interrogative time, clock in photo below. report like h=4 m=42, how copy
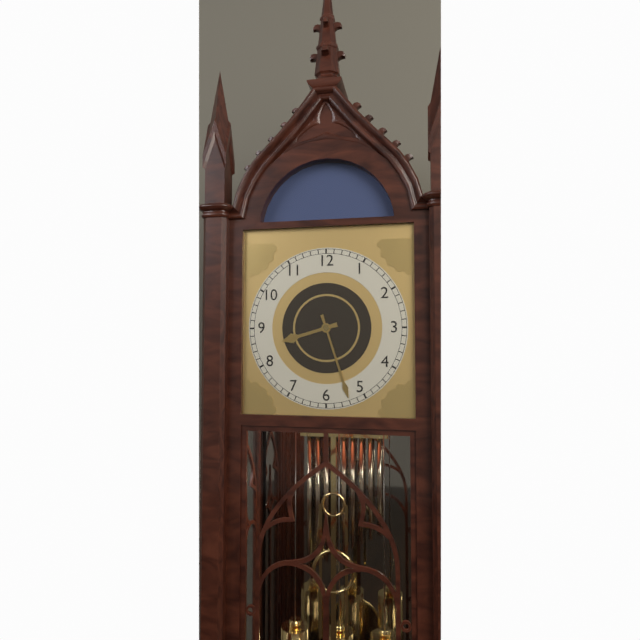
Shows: h=8 m=27
